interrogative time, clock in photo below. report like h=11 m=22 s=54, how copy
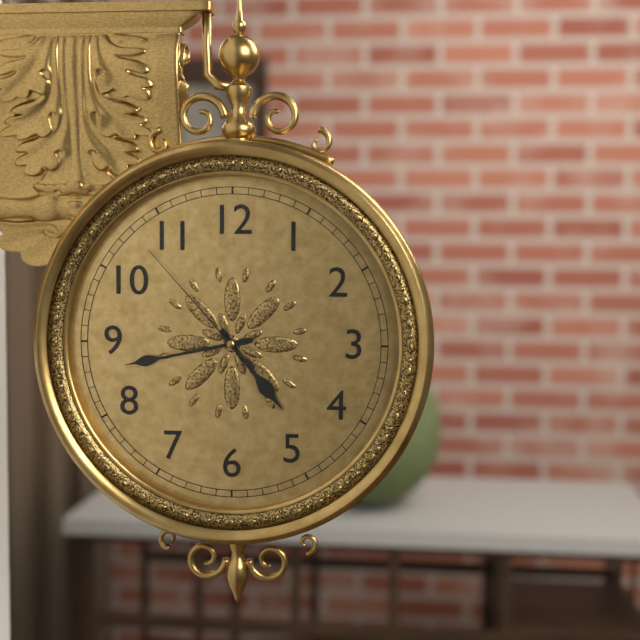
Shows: h=4 m=43 s=53
